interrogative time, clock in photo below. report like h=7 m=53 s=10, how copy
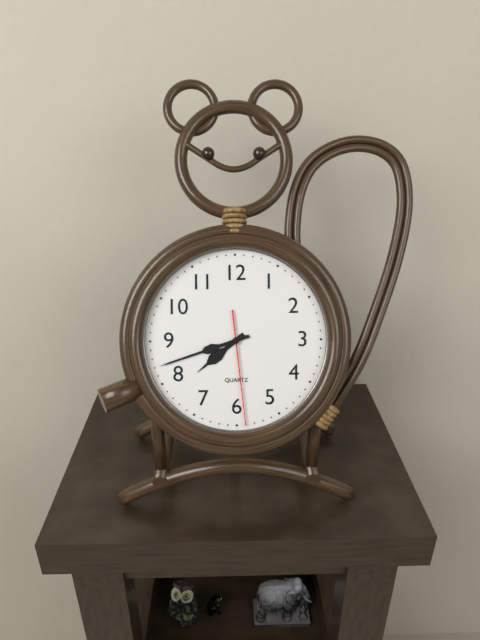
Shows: h=7 m=42 s=29
